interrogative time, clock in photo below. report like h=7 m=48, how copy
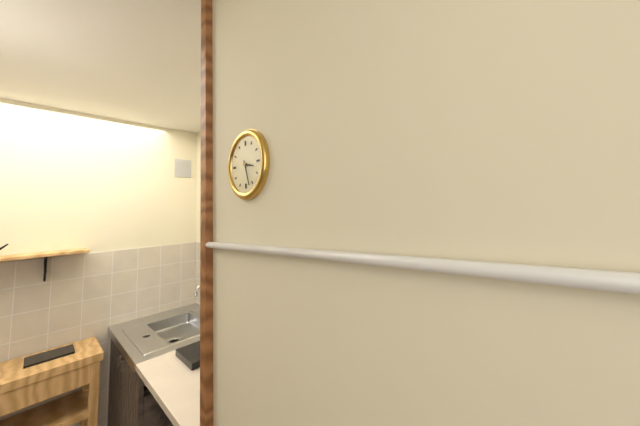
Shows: h=3 m=27
